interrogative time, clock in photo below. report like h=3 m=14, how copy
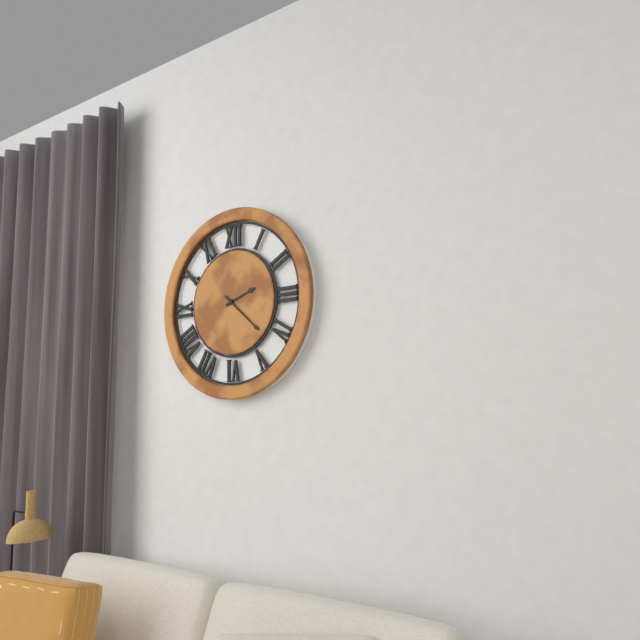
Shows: h=2 m=22
